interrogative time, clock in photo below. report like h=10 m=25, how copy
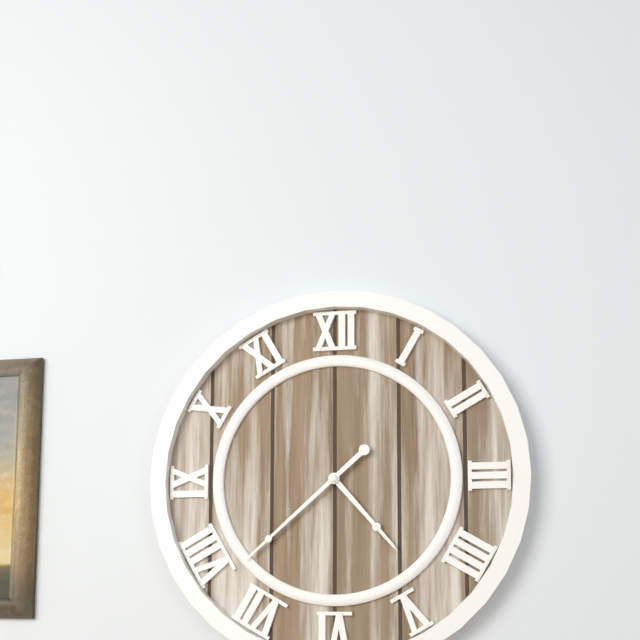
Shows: h=4 m=38
